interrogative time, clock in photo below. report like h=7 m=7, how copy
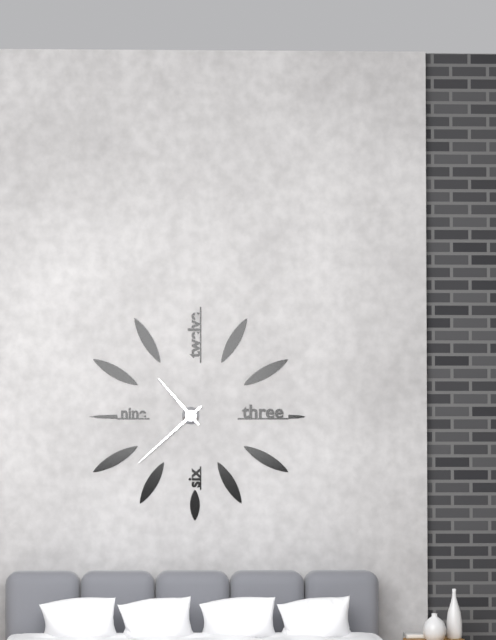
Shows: h=10 m=38
